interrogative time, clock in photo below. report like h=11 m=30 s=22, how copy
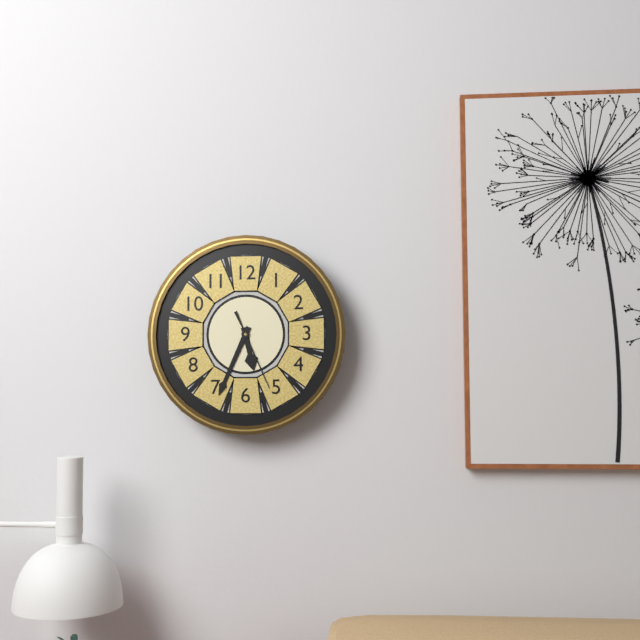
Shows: h=5 m=34 s=26
